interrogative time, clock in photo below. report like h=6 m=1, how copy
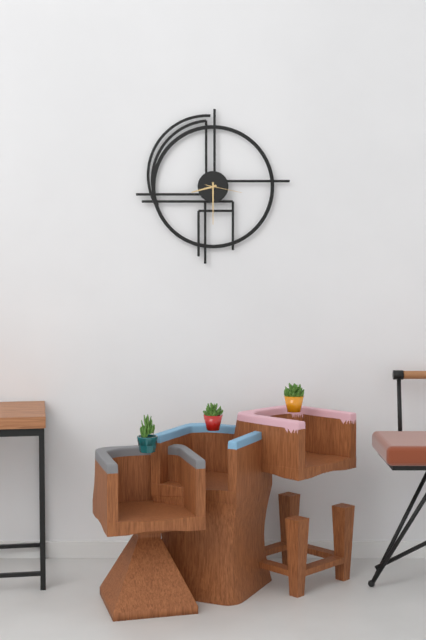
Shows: h=8 m=30
